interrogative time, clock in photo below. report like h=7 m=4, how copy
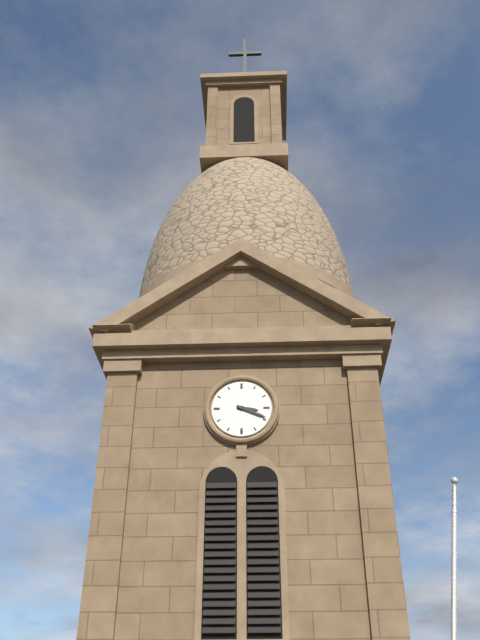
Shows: h=3 m=19
